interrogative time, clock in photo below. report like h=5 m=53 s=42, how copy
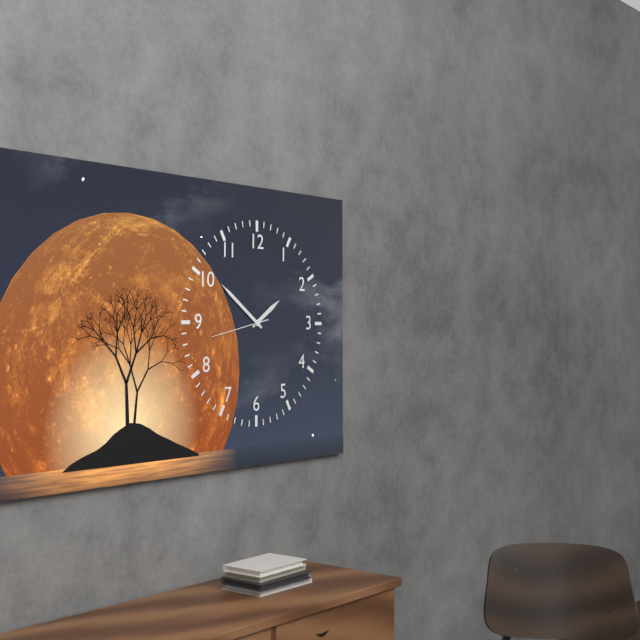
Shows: h=1 m=51 s=43
